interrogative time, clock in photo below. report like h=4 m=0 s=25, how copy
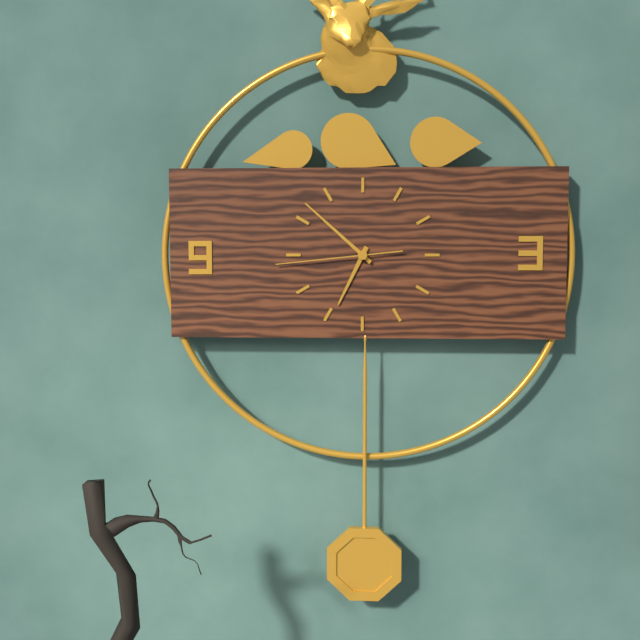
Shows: h=6 m=52 s=44
